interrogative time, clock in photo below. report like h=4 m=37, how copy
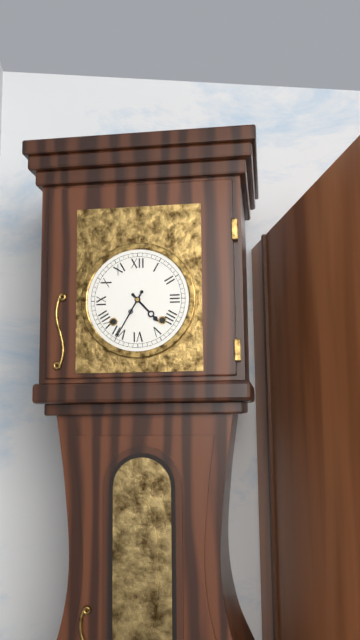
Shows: h=4 m=35
